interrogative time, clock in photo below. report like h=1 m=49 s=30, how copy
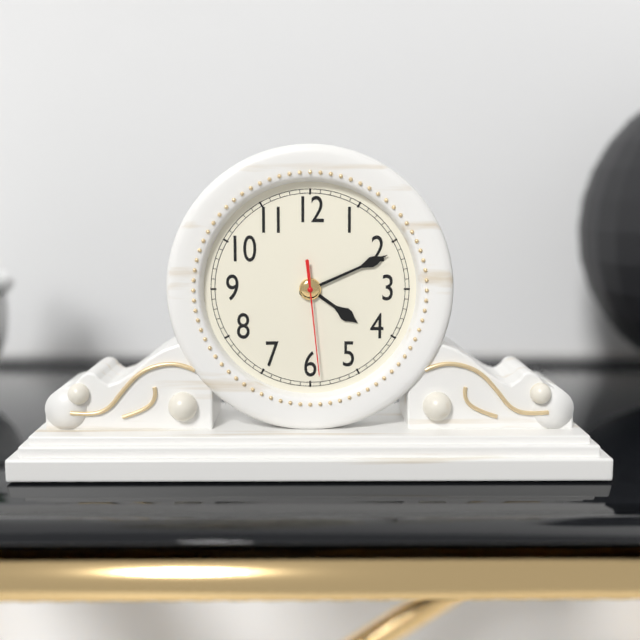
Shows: h=4 m=11 s=29
